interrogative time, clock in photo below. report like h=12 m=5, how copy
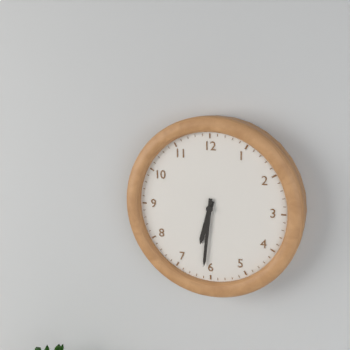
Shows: h=6 m=31
